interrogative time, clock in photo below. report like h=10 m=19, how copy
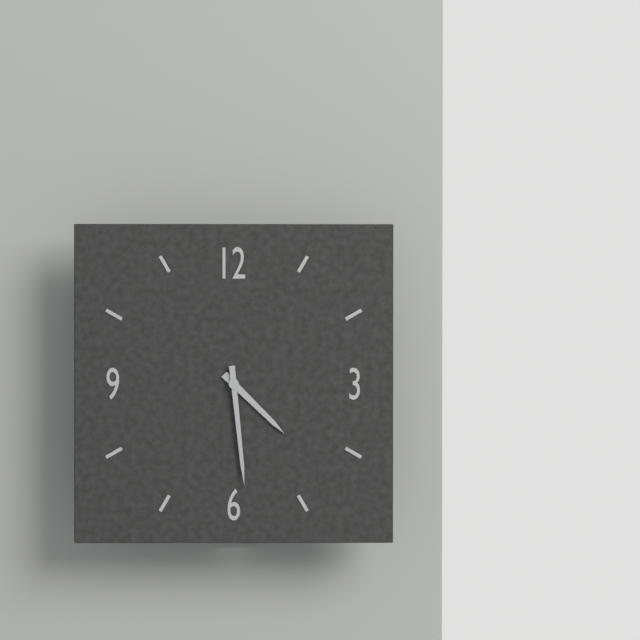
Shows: h=4 m=29
